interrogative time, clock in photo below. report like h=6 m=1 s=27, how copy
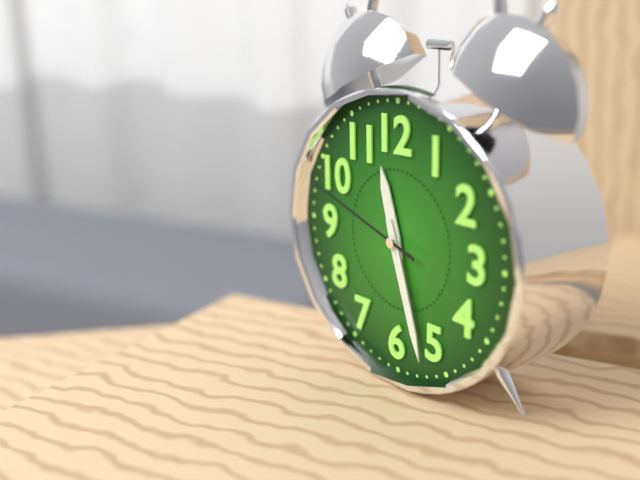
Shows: h=11 m=27 s=48
